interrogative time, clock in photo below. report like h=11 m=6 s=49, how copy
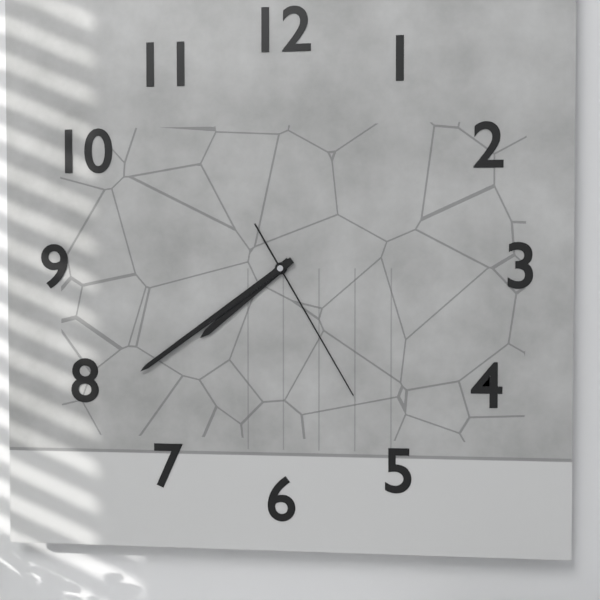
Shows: h=7 m=39 s=25
